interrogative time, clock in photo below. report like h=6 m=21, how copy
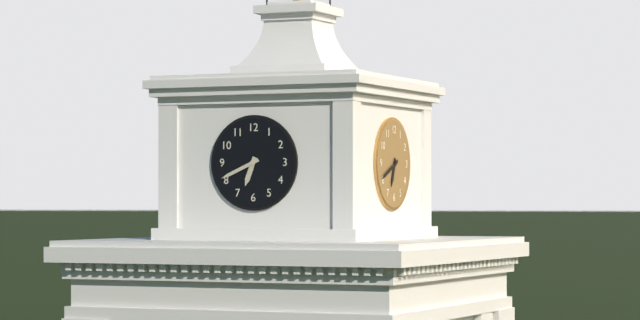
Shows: h=6 m=41
